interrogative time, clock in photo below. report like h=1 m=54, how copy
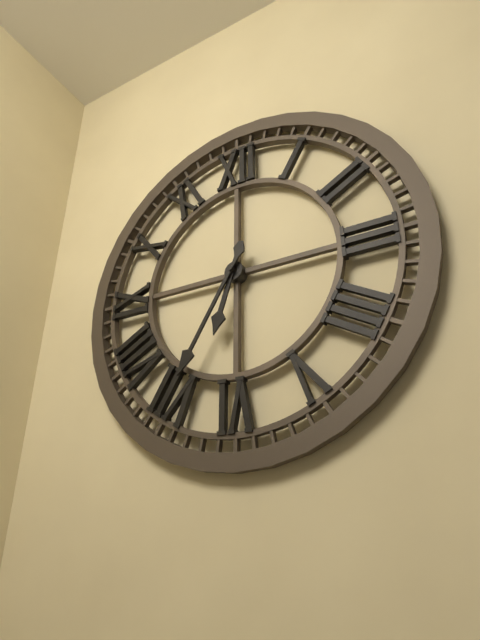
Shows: h=6 m=35
